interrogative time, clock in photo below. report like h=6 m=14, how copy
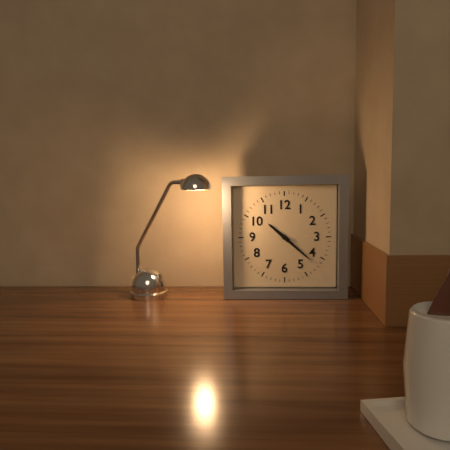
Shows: h=10 m=22
